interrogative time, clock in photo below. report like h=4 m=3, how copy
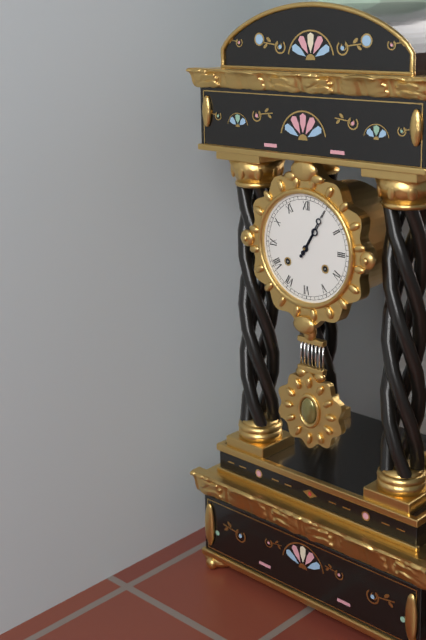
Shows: h=1 m=5
